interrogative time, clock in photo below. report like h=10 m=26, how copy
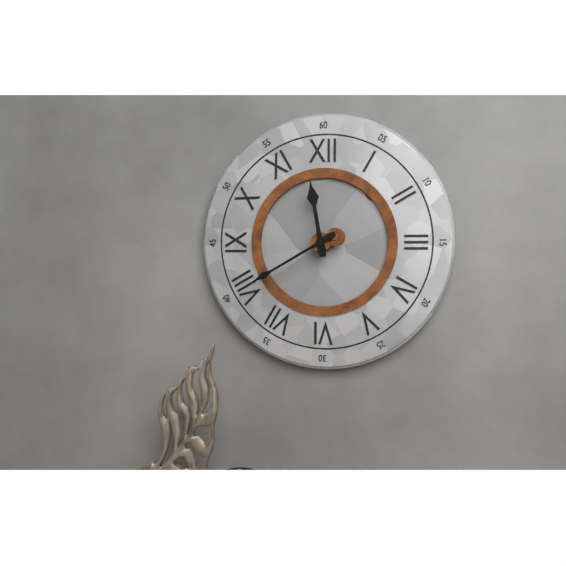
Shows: h=11 m=40
